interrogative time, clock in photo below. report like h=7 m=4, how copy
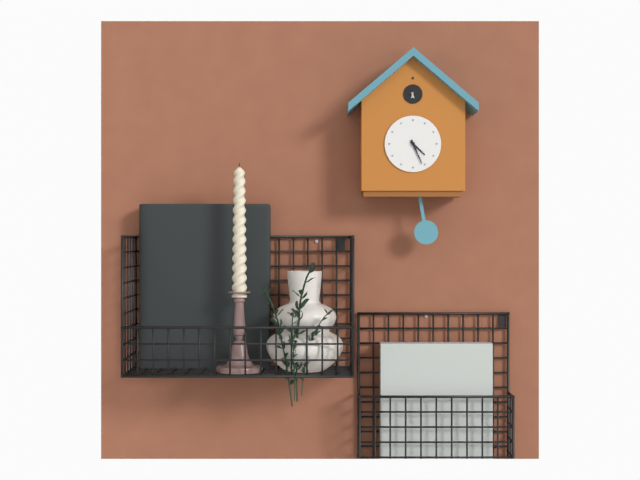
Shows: h=4 m=26
